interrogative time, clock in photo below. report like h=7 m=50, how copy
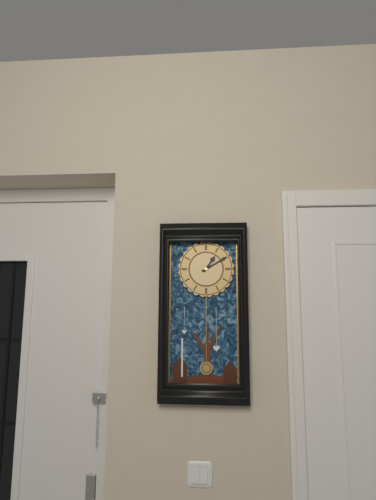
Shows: h=1 m=10
